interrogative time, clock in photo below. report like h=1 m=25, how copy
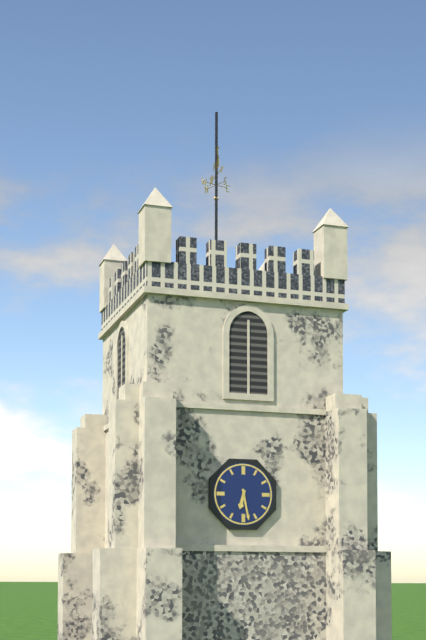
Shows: h=6 m=28
